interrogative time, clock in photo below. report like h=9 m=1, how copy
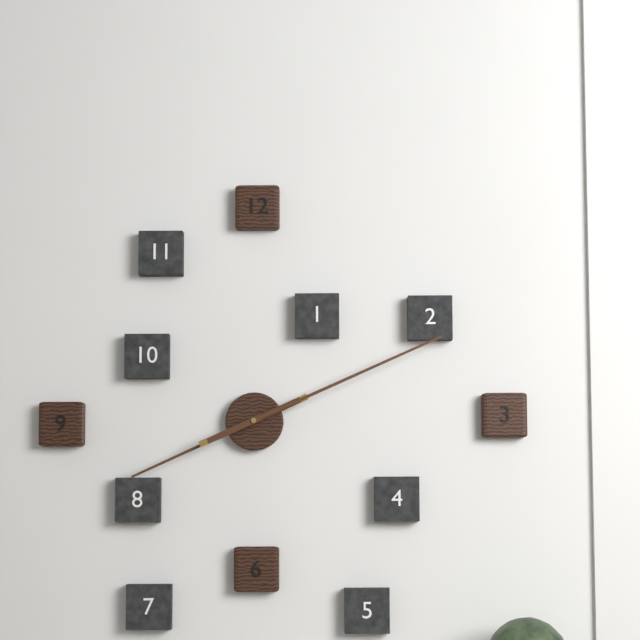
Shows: h=8 m=11
